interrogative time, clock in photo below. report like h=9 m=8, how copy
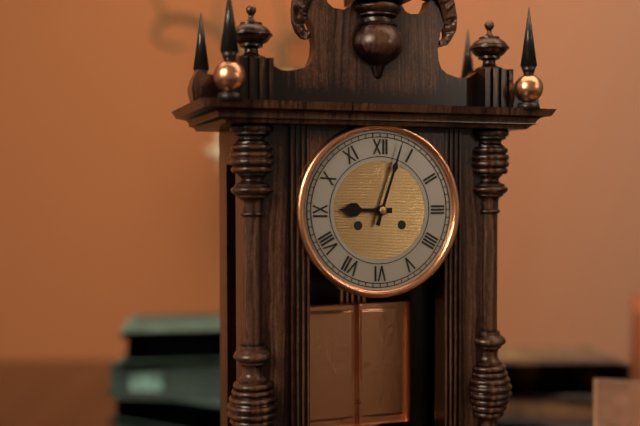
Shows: h=9 m=3
